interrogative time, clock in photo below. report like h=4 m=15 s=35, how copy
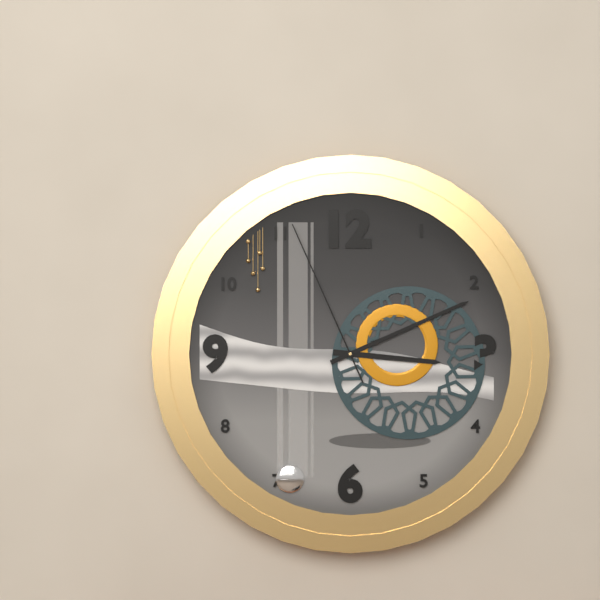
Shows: h=3 m=11 s=56
